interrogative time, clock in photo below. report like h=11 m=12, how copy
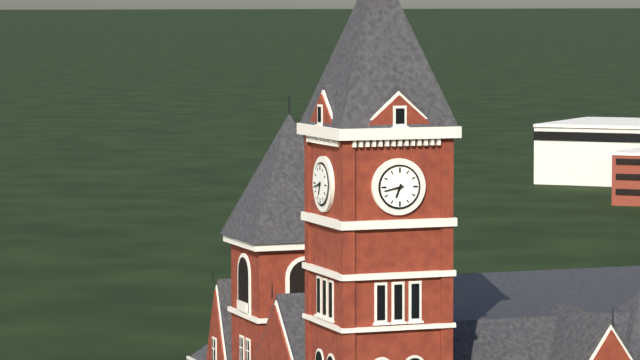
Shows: h=6 m=43
